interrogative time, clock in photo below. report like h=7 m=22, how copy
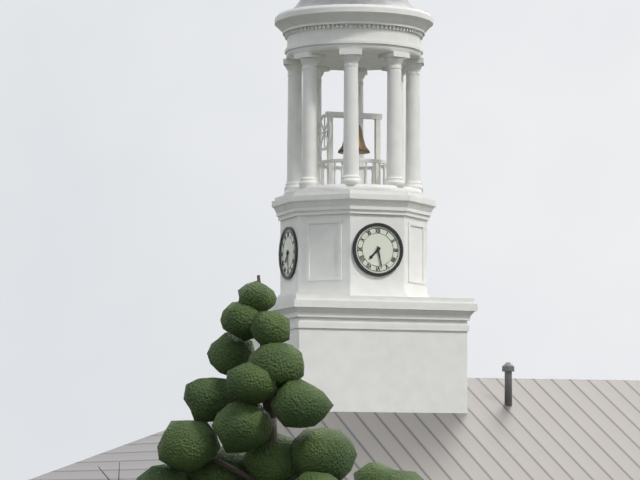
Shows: h=7 m=28
